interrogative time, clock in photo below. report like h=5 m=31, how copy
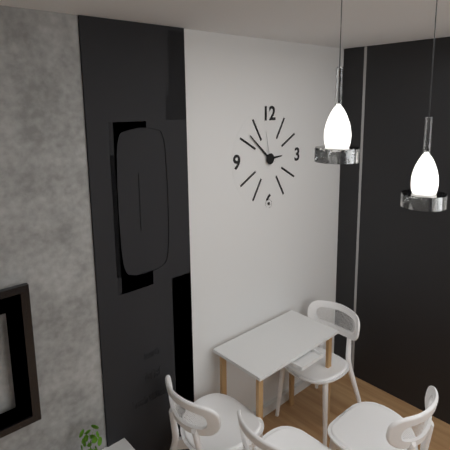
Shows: h=2 m=52
